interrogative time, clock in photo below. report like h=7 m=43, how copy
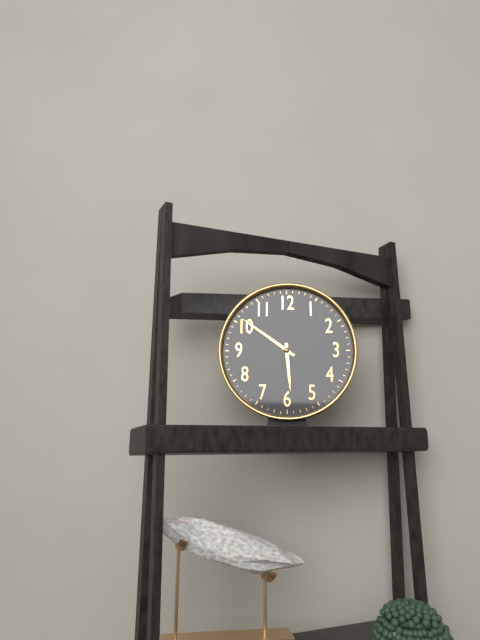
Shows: h=5 m=51
